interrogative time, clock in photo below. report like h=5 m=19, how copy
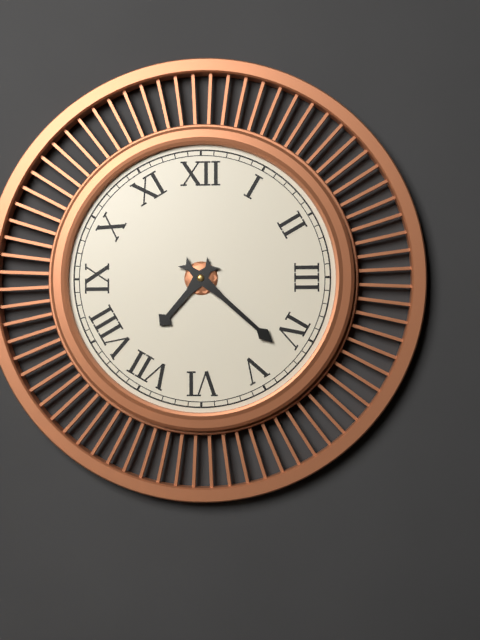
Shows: h=7 m=22
